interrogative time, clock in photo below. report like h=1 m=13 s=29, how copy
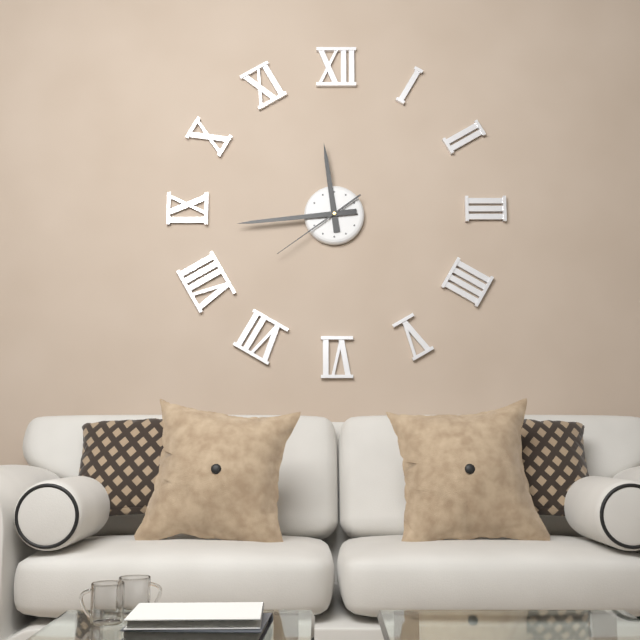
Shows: h=11 m=44 s=39
